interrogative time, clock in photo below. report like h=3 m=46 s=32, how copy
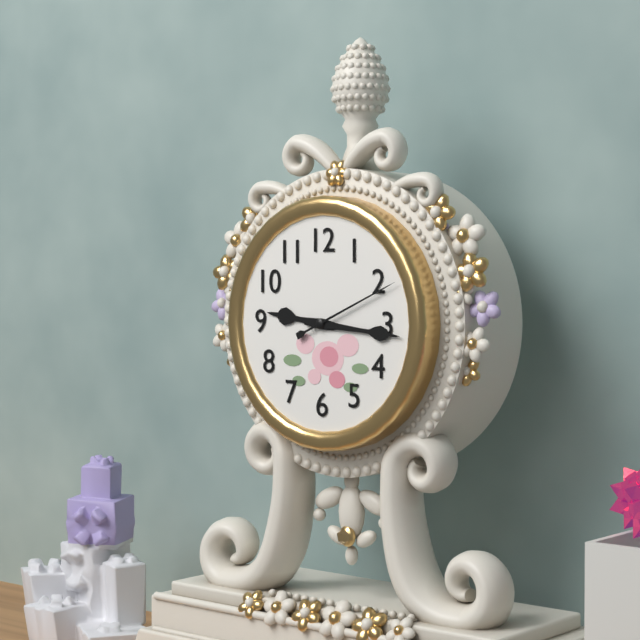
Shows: h=9 m=16 s=11
